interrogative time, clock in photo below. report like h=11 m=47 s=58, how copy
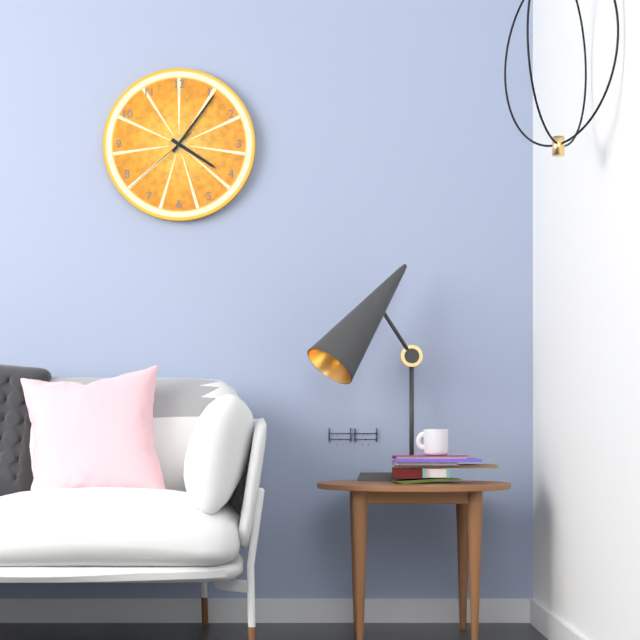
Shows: h=4 m=6 s=38
